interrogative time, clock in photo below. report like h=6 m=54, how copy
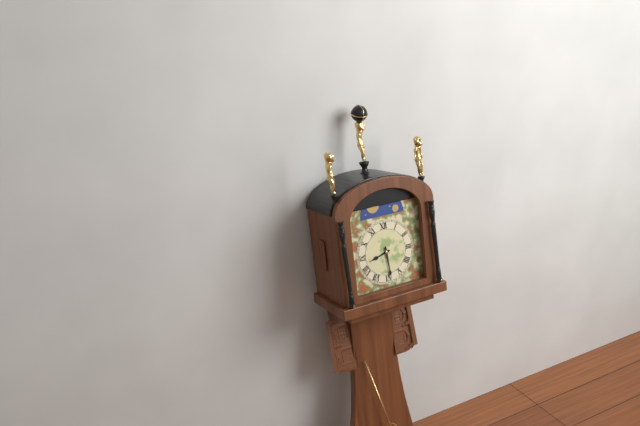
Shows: h=8 m=29
